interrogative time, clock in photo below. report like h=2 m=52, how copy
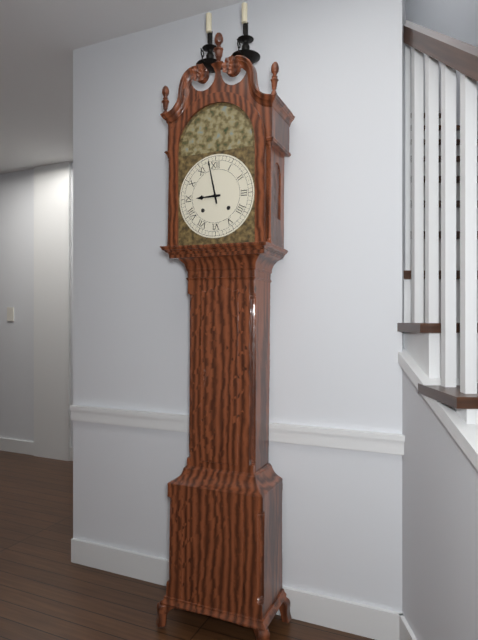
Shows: h=8 m=58
